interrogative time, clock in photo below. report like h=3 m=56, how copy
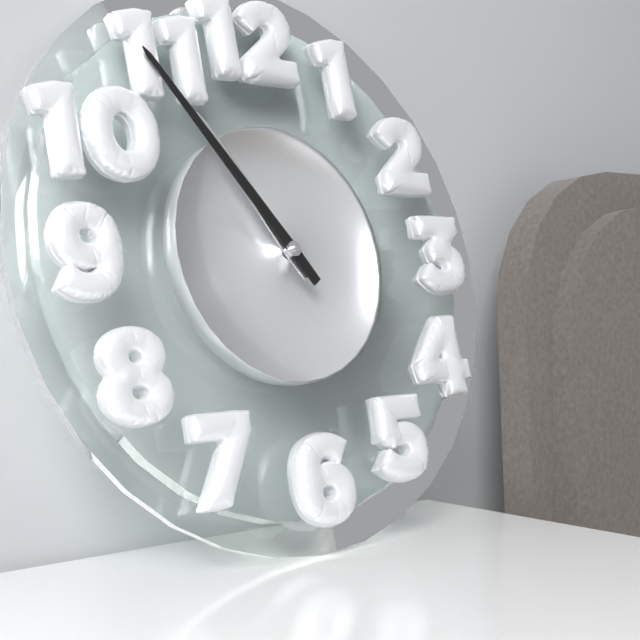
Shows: h=10 m=54
